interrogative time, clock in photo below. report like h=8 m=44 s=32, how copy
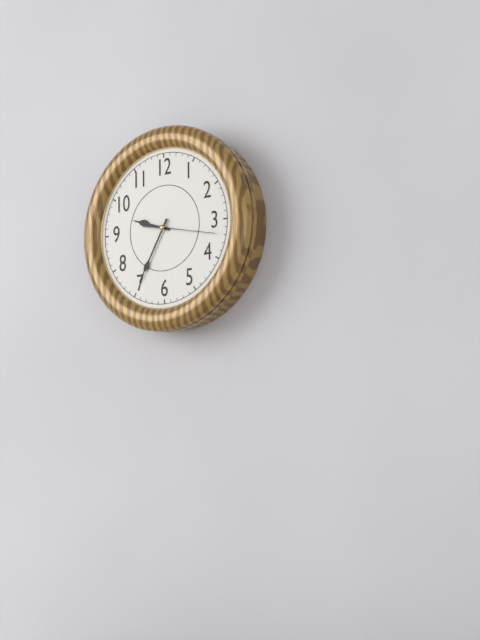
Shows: h=9 m=35 s=17
